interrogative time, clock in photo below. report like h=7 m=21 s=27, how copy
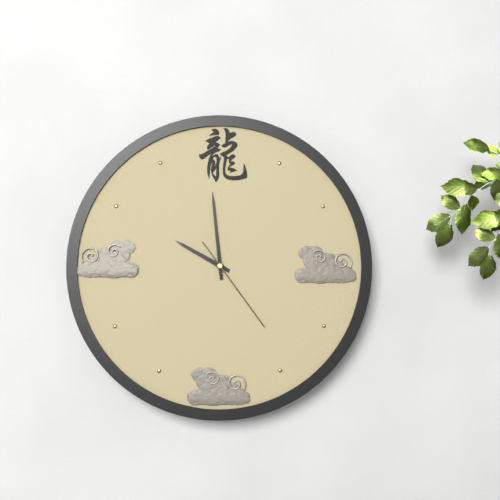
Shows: h=9 m=59 s=24
